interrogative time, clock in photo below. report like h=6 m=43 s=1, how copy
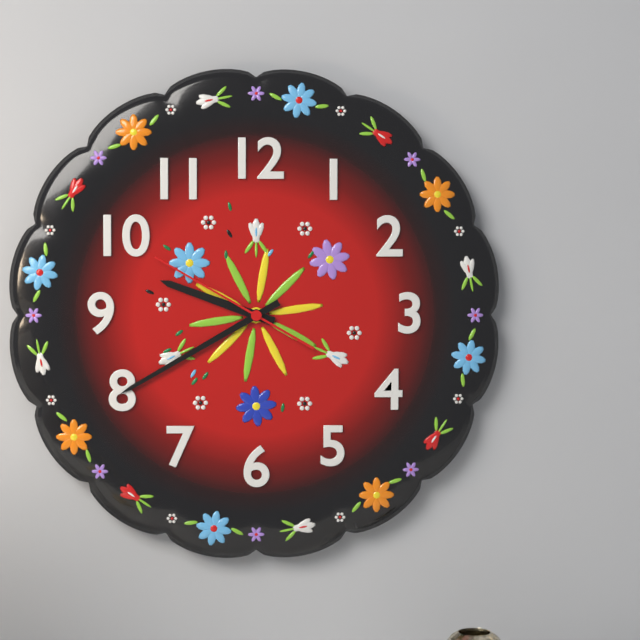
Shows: h=9 m=40 s=50
